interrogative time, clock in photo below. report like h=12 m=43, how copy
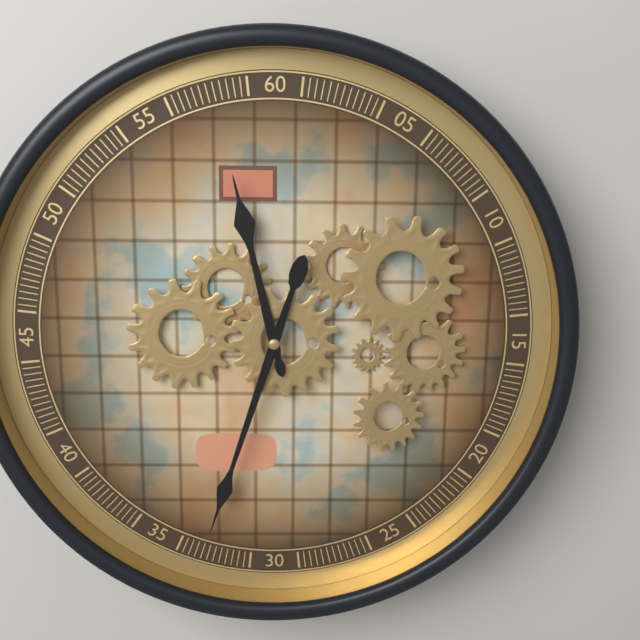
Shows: h=11 m=33
